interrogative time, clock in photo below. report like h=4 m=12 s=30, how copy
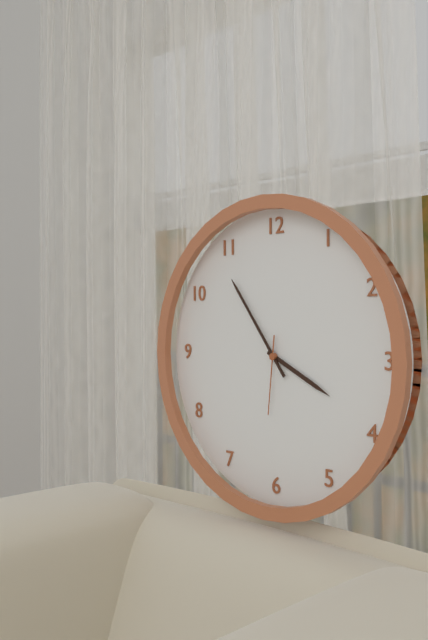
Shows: h=3 m=54 s=31
